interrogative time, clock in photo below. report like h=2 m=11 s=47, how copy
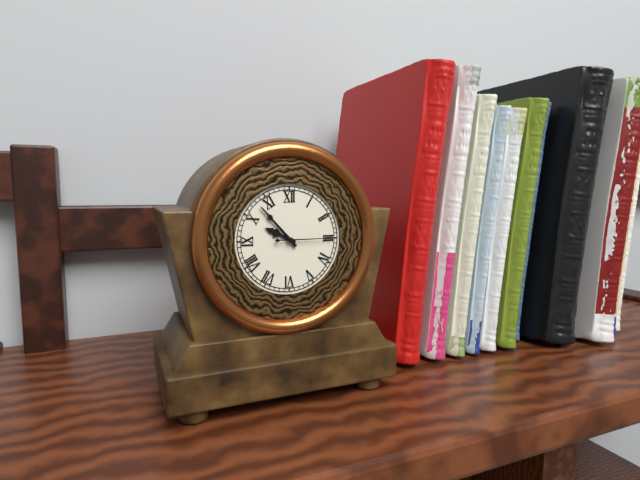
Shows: h=9 m=53 s=15
